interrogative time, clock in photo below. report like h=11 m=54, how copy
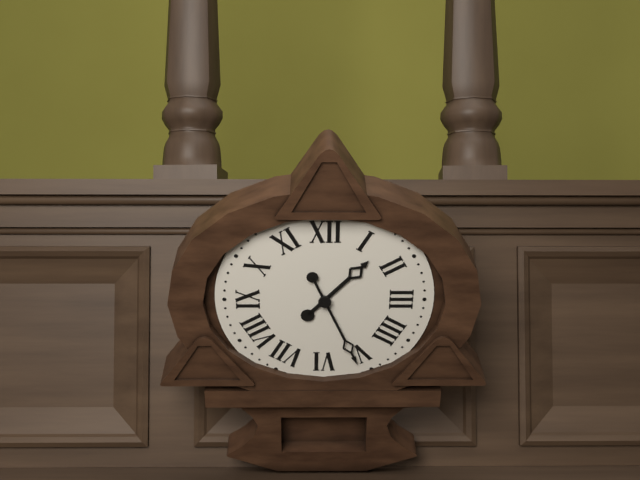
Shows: h=1 m=26
